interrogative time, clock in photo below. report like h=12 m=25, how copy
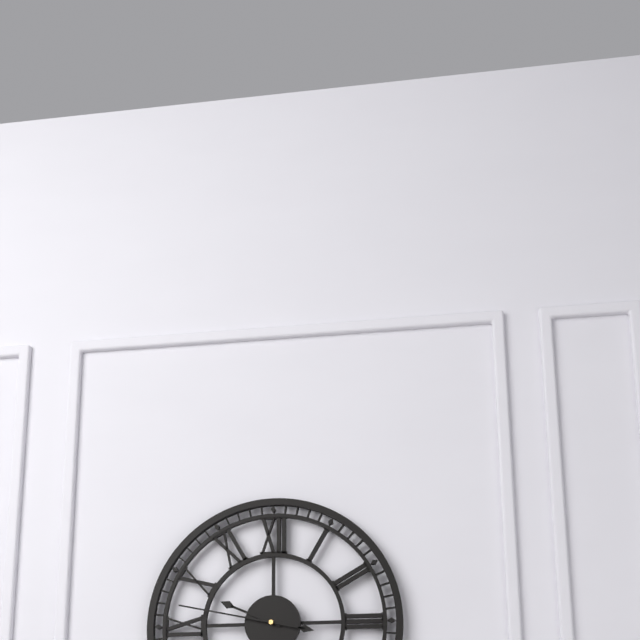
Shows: h=9 m=47
